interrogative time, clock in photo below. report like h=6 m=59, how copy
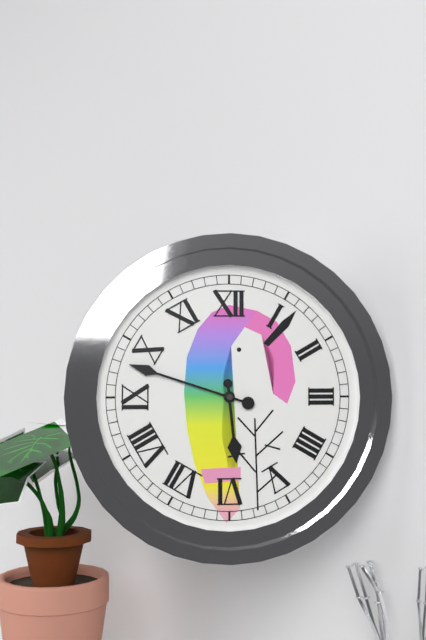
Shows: h=5 m=48
